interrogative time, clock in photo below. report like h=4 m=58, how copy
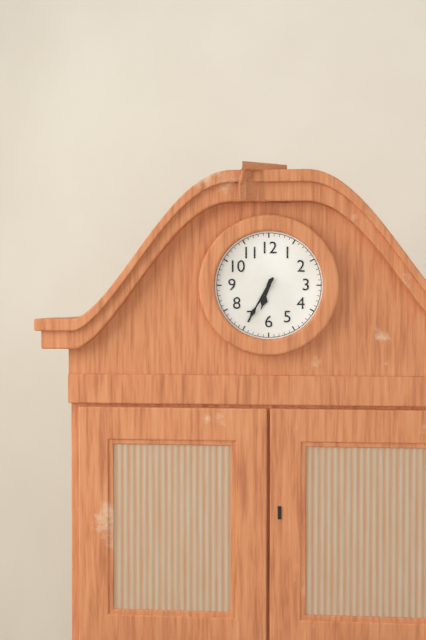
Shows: h=6 m=35
